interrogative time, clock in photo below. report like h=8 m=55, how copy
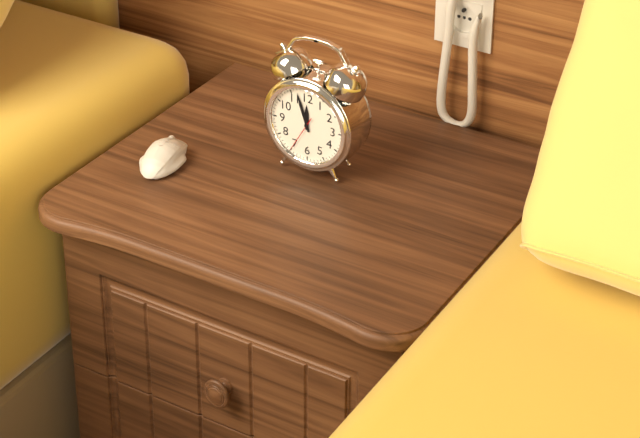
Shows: h=11 m=57
